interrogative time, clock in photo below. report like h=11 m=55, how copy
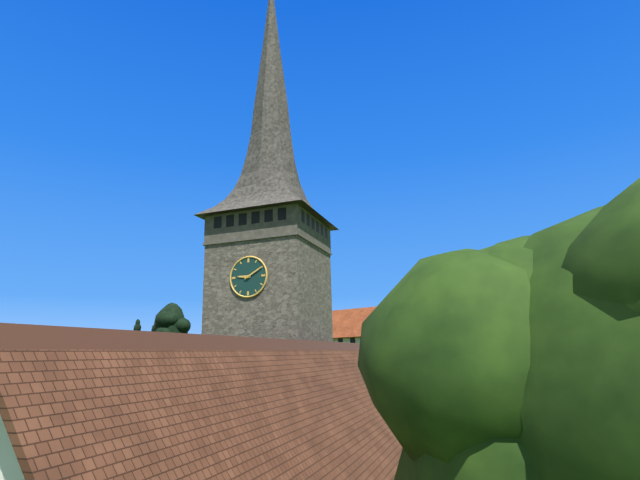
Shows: h=9 m=10
